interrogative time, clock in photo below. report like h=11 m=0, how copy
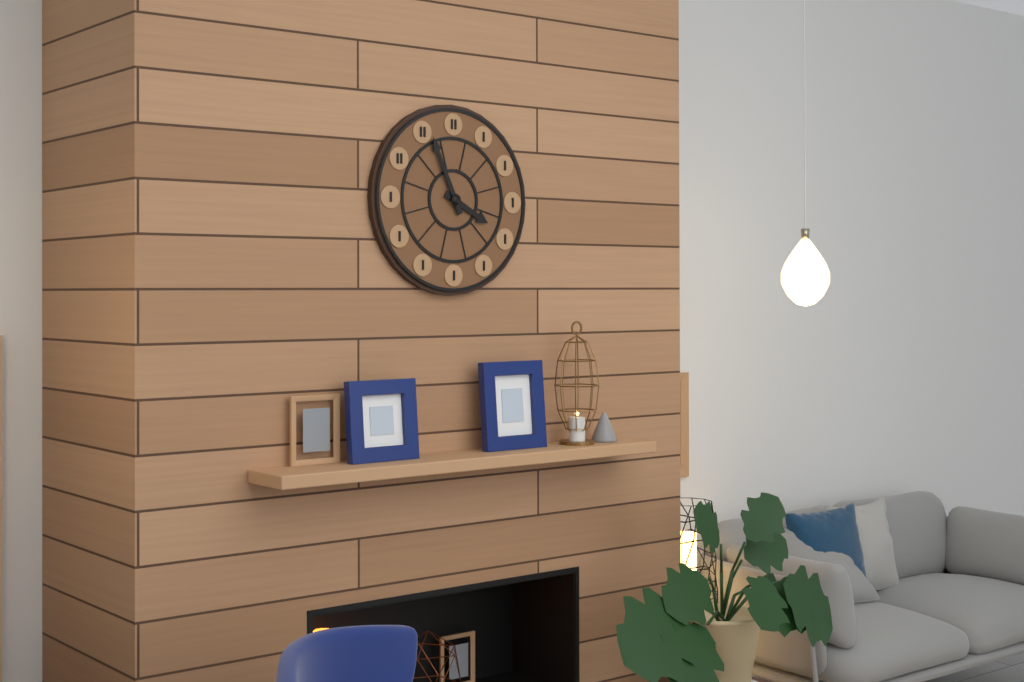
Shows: h=3 m=56
